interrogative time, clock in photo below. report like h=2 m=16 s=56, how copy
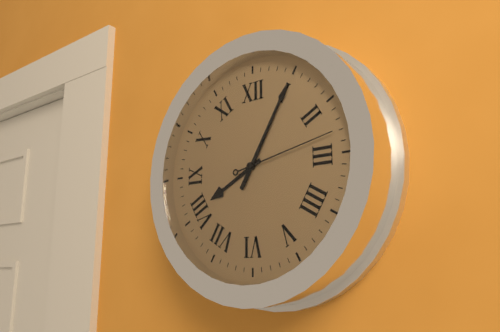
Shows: h=8 m=5 s=13
